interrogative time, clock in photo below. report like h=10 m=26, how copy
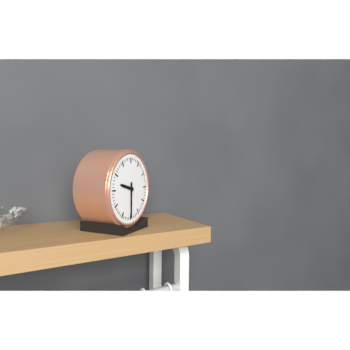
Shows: h=9 m=30
